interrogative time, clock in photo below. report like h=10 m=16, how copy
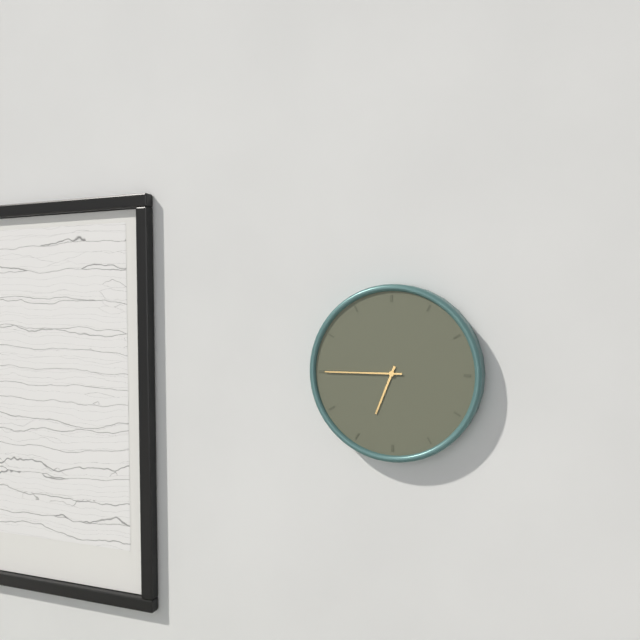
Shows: h=6 m=45
